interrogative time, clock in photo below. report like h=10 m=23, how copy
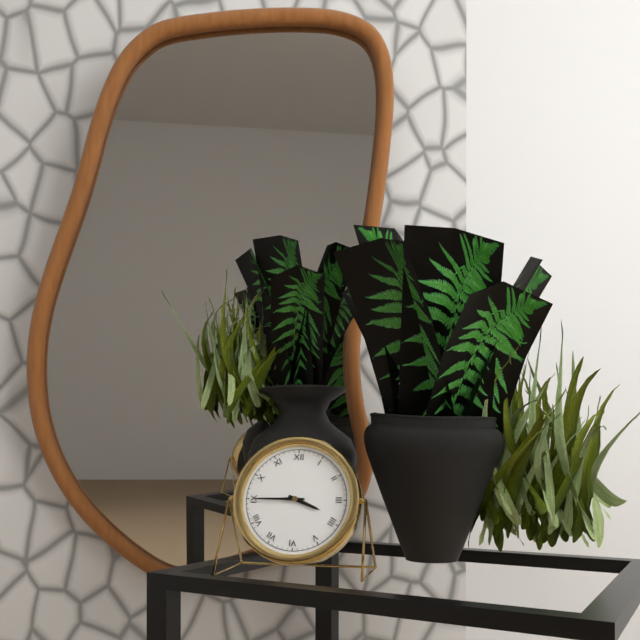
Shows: h=3 m=45
